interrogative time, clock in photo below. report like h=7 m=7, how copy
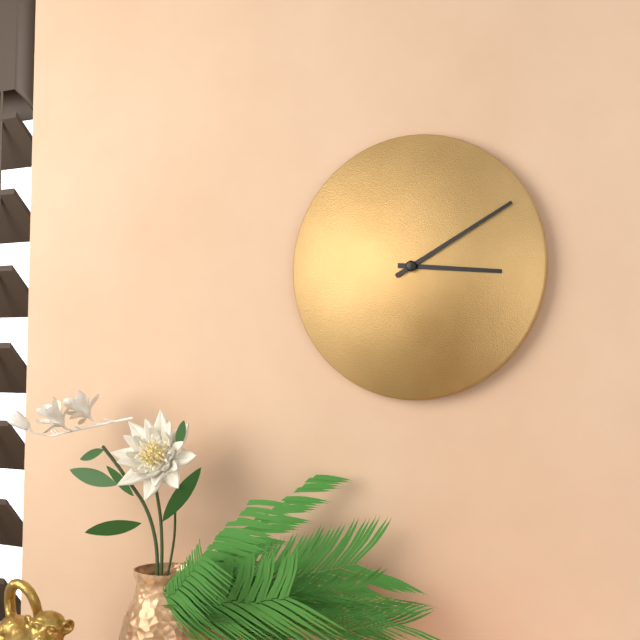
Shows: h=3 m=10
